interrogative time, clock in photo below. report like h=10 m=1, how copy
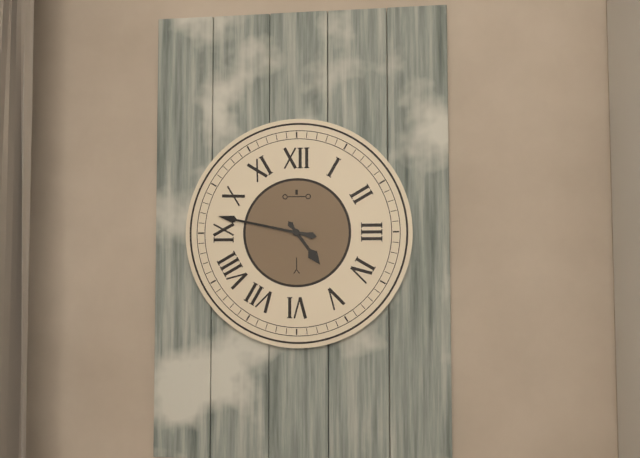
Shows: h=4 m=47
